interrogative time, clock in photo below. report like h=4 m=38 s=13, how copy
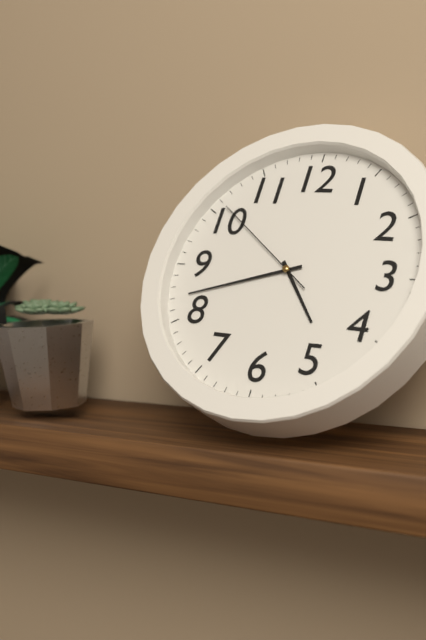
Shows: h=4 m=42 s=51
